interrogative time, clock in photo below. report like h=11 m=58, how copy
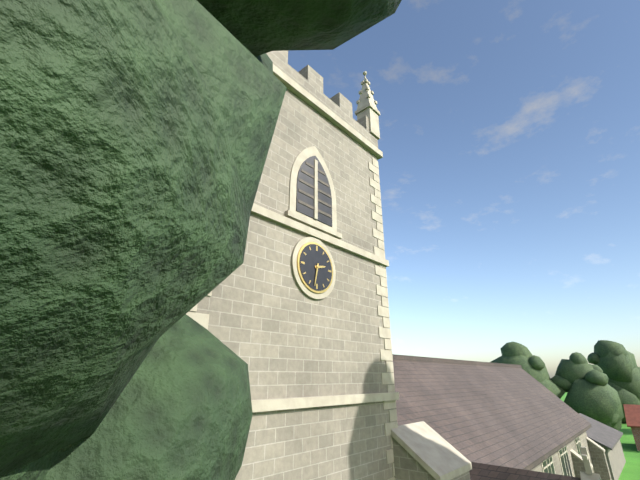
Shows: h=2 m=32
